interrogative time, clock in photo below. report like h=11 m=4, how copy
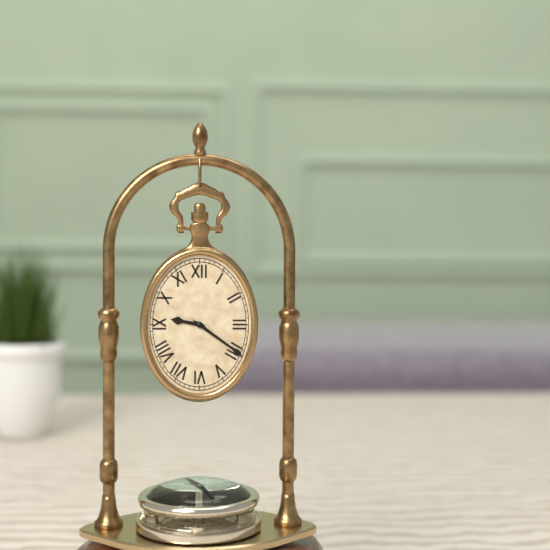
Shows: h=9 m=21
